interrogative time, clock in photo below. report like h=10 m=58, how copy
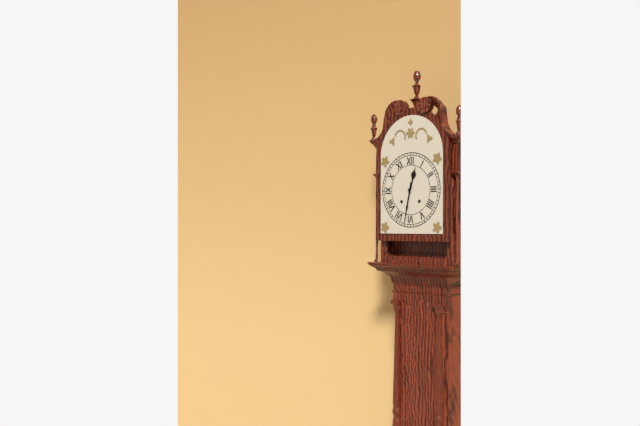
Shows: h=12 m=32
